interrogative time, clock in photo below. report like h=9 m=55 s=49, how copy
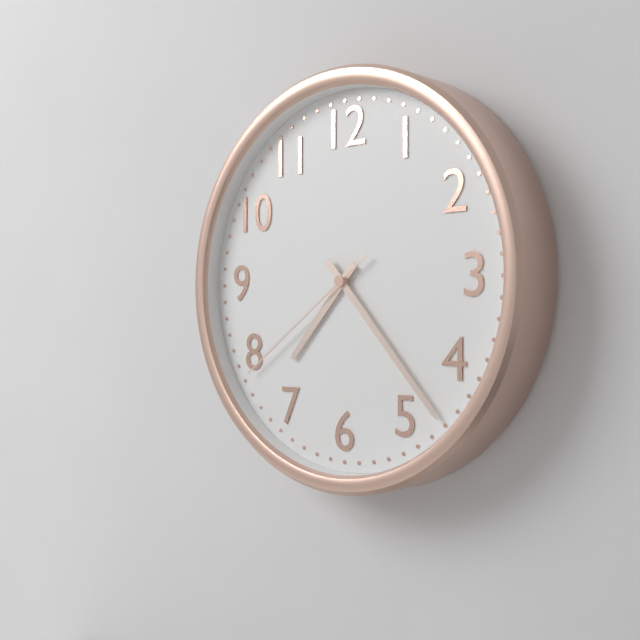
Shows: h=7 m=23 s=39
